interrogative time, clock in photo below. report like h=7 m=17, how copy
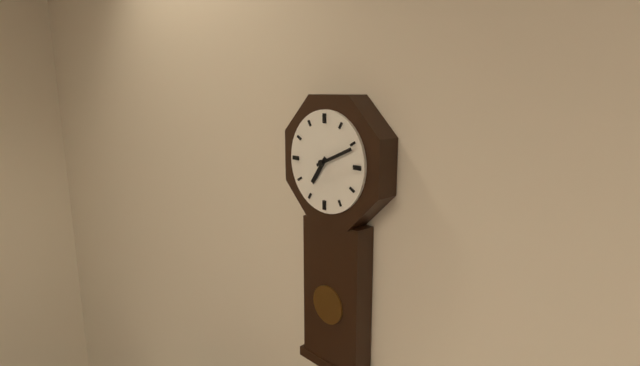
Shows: h=7 m=11
